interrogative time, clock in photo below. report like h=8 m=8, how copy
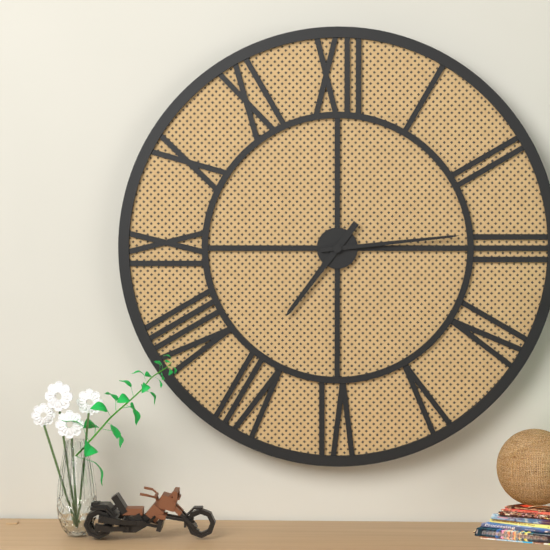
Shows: h=7 m=14
